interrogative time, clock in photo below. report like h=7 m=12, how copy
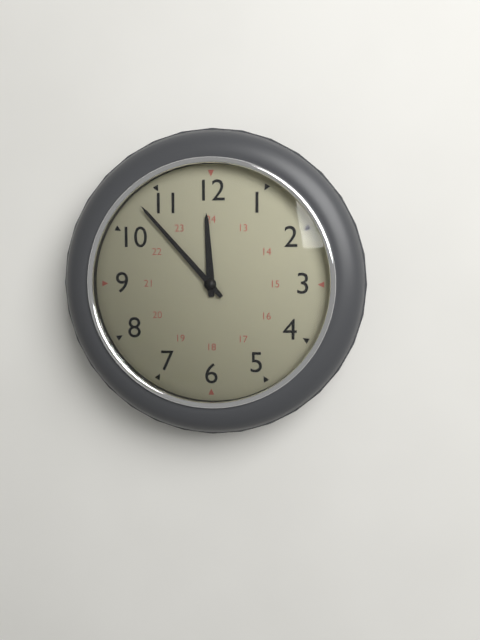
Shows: h=11 m=53
